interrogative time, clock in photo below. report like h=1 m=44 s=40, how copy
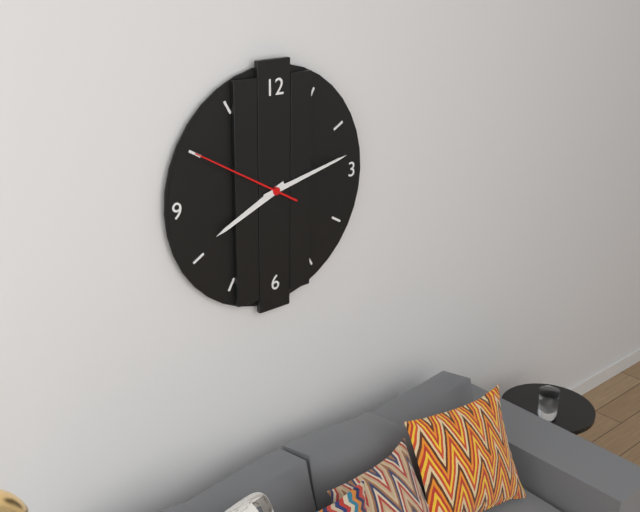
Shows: h=8 m=13 s=50
